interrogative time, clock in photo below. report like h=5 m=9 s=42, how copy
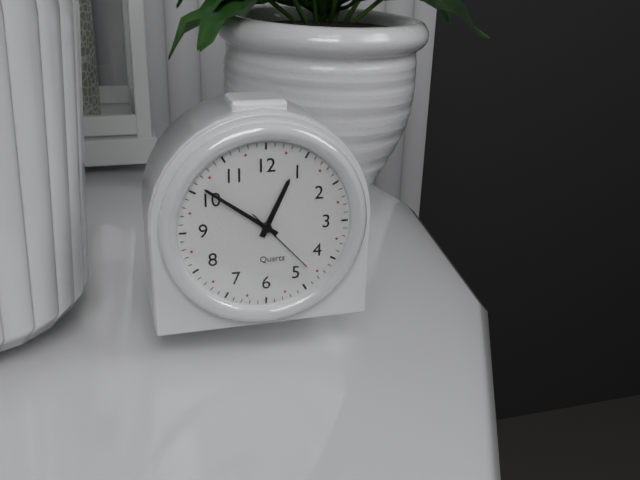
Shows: h=12 m=51 s=23
